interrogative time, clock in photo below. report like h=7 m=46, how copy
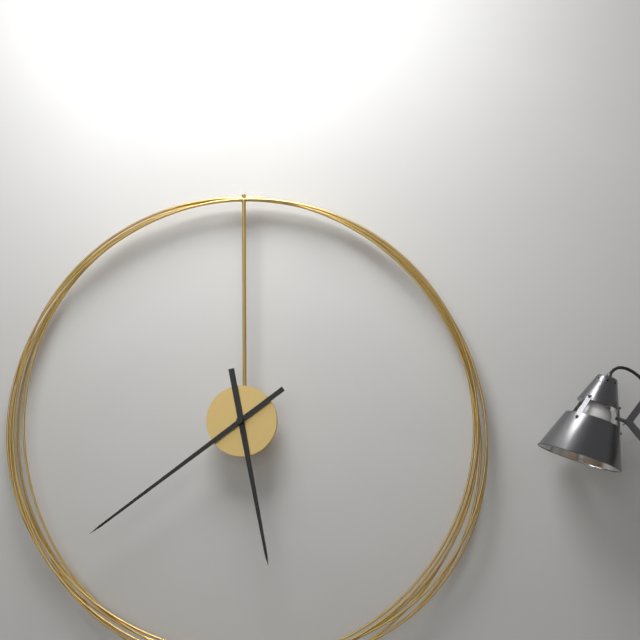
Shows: h=5 m=39
